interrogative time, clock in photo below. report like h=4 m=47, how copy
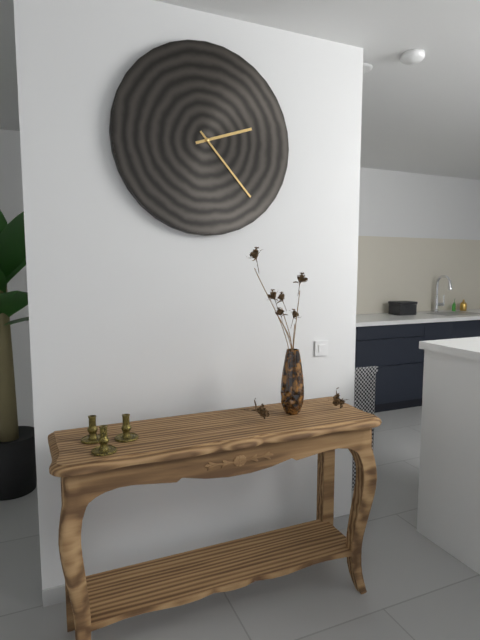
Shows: h=2 m=23
